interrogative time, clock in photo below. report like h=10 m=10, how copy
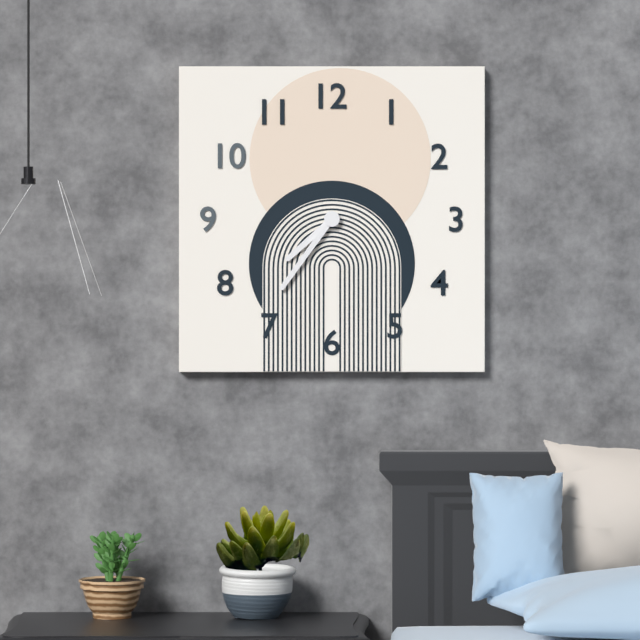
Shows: h=7 m=36
